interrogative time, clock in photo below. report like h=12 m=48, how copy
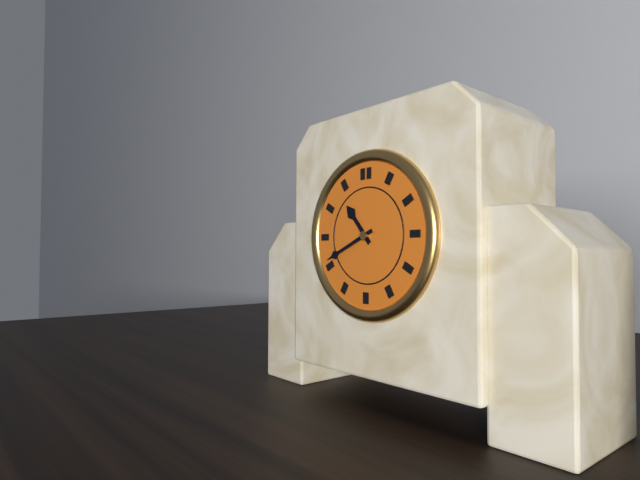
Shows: h=10 m=41
